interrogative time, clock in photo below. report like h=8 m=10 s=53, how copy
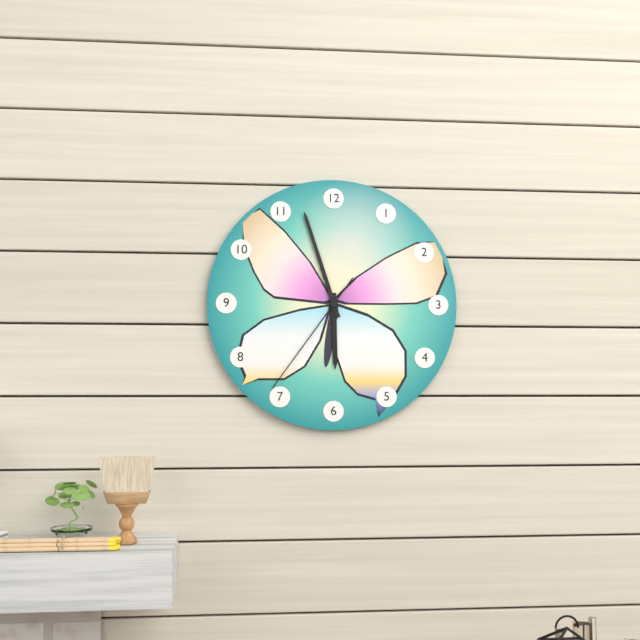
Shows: h=5 m=57 s=36
